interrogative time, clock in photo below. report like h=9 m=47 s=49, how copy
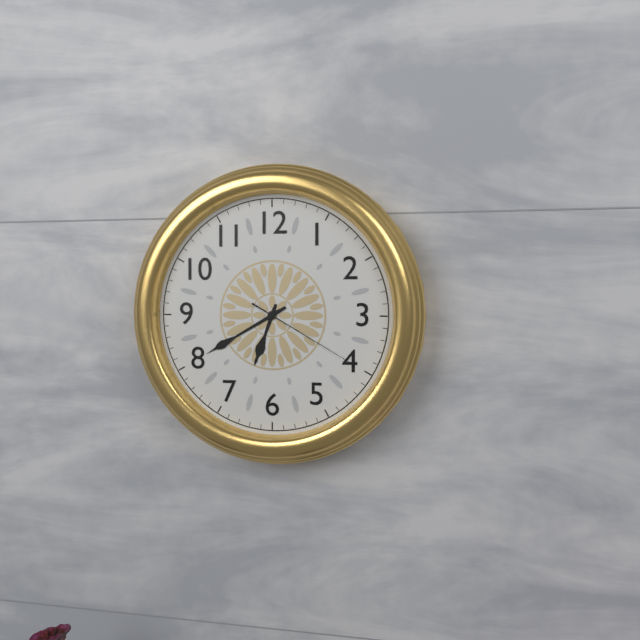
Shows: h=6 m=40 s=20
